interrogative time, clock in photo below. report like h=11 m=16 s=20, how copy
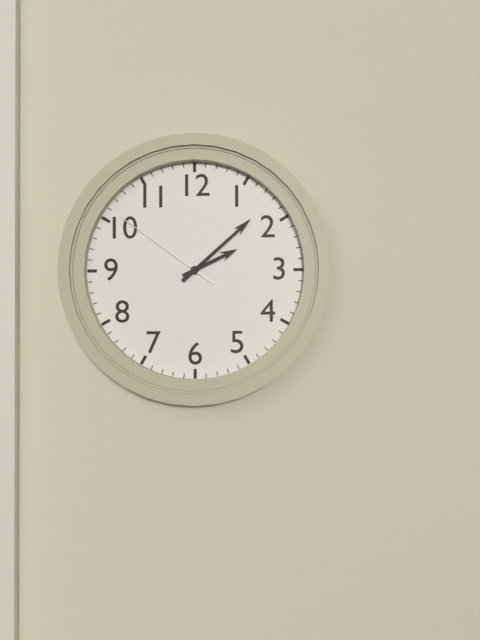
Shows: h=2 m=8 s=51
